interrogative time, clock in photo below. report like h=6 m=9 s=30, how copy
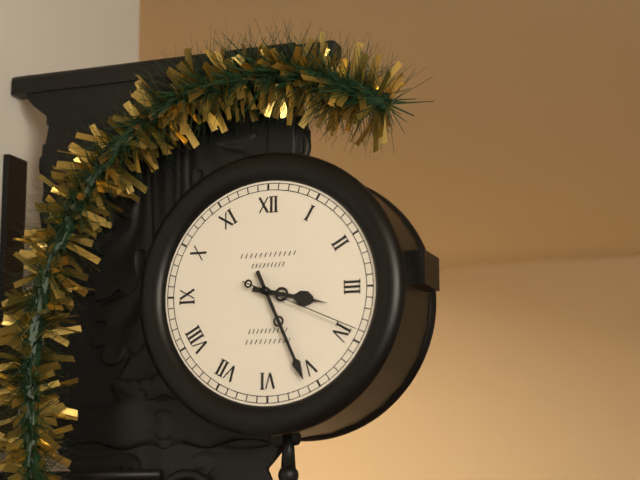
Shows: h=3 m=26 s=19
